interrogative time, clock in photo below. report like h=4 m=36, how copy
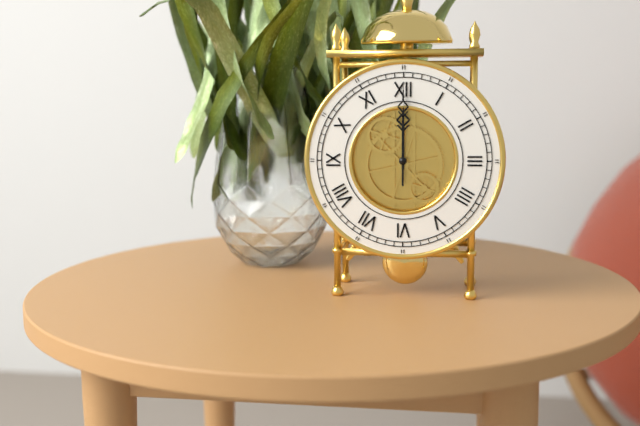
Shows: h=12 m=0
